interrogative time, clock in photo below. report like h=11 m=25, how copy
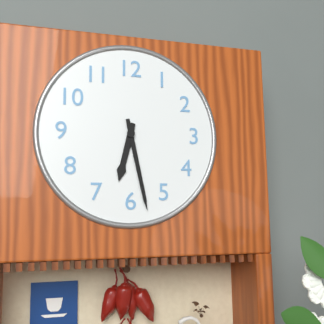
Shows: h=6 m=28
